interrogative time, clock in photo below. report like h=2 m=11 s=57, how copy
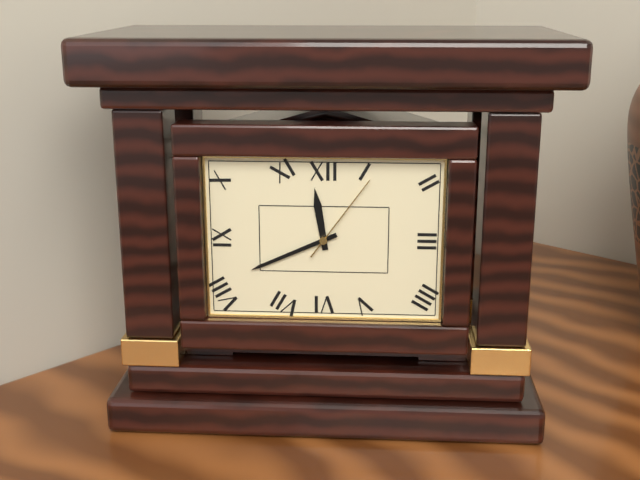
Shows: h=11 m=41 s=6
